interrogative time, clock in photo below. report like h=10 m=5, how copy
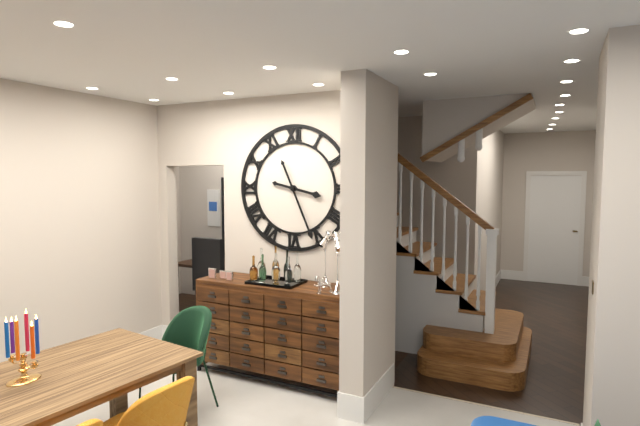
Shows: h=3 m=26
